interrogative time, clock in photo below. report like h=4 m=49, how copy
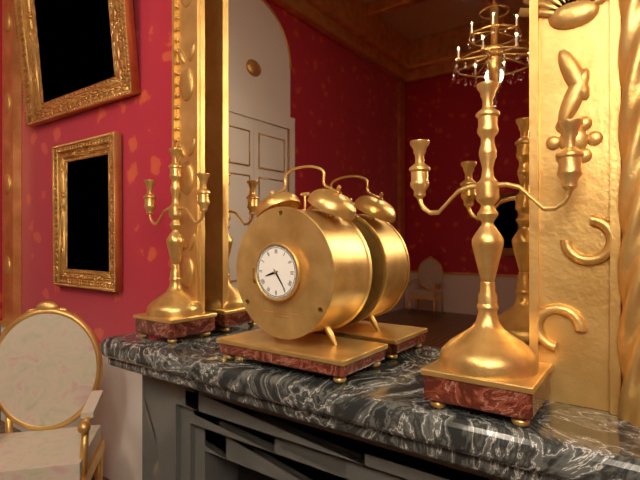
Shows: h=8 m=24
